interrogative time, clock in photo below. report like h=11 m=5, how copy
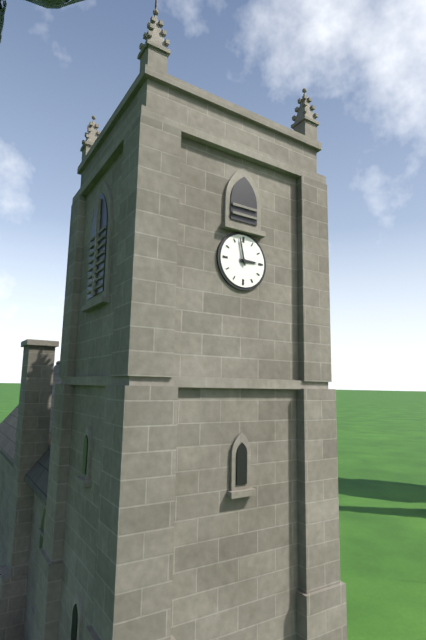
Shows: h=2 m=58
